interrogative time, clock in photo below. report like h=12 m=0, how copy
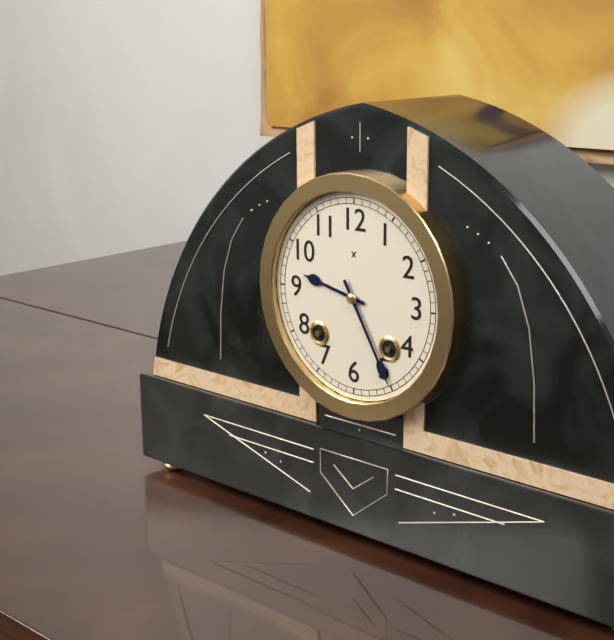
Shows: h=9 m=25
